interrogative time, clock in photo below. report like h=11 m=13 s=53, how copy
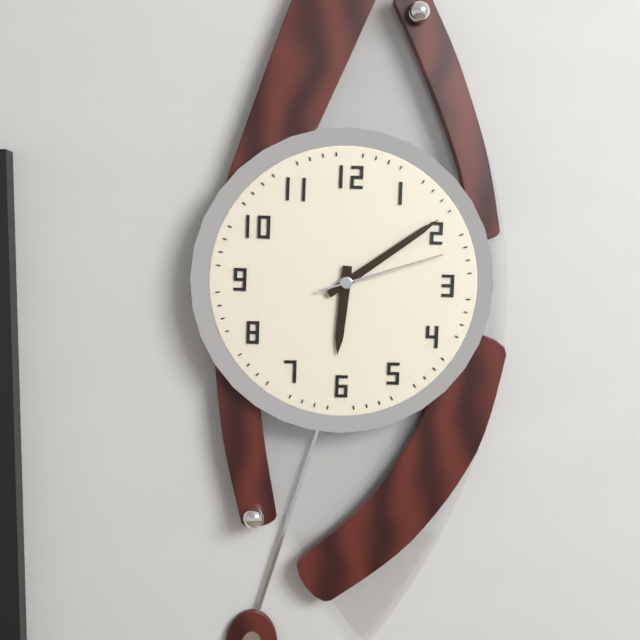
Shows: h=6 m=9 s=12
